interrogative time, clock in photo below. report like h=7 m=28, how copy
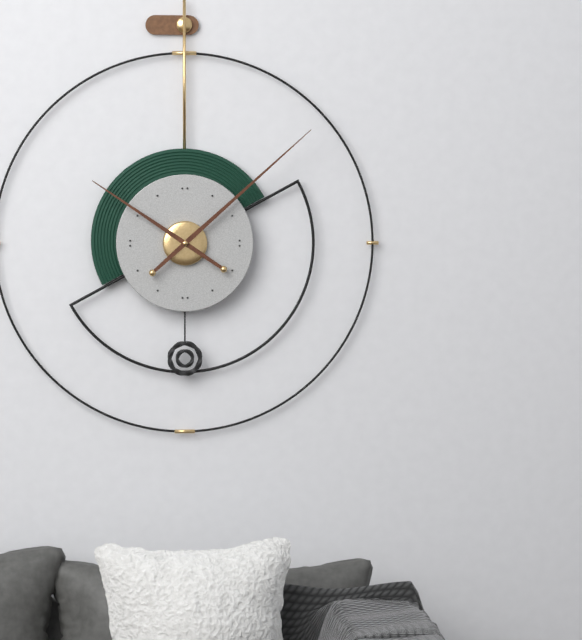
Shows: h=10 m=8
